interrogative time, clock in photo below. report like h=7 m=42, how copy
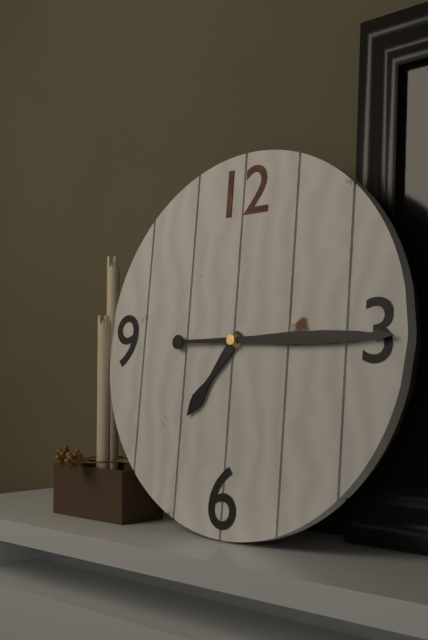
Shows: h=7 m=15
